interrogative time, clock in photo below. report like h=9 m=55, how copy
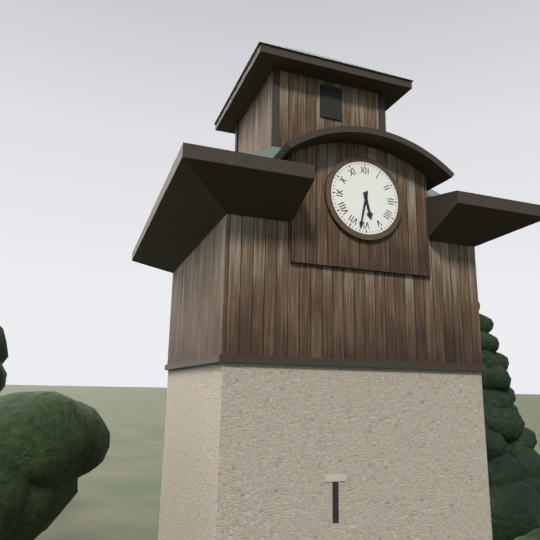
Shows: h=5 m=32
